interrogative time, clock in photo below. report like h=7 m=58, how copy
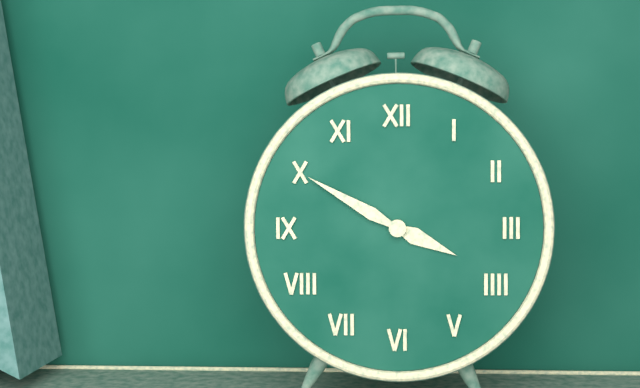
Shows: h=3 m=50
